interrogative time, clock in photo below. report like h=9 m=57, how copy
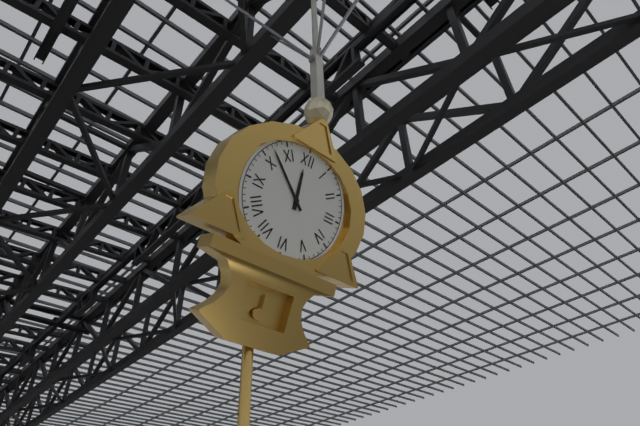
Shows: h=11 m=52
